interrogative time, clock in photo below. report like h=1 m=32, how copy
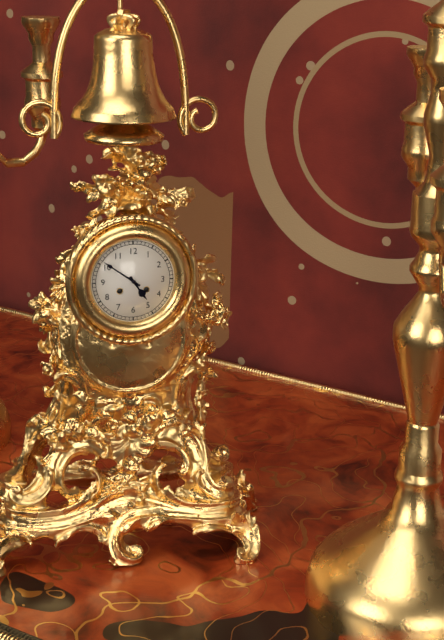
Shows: h=4 m=51
